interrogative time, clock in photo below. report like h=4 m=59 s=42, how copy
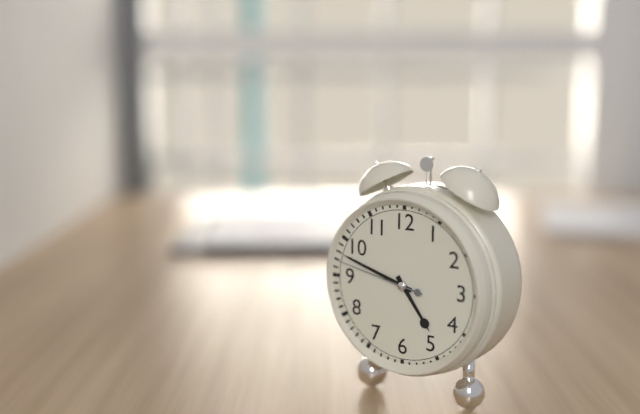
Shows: h=4 m=48 s=47
